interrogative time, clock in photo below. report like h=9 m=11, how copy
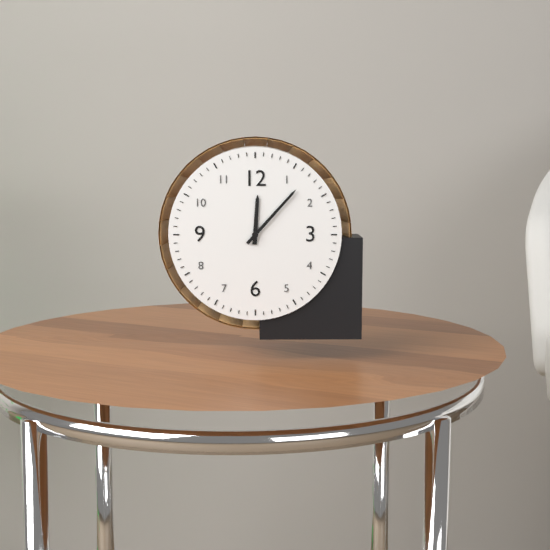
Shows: h=12 m=7
